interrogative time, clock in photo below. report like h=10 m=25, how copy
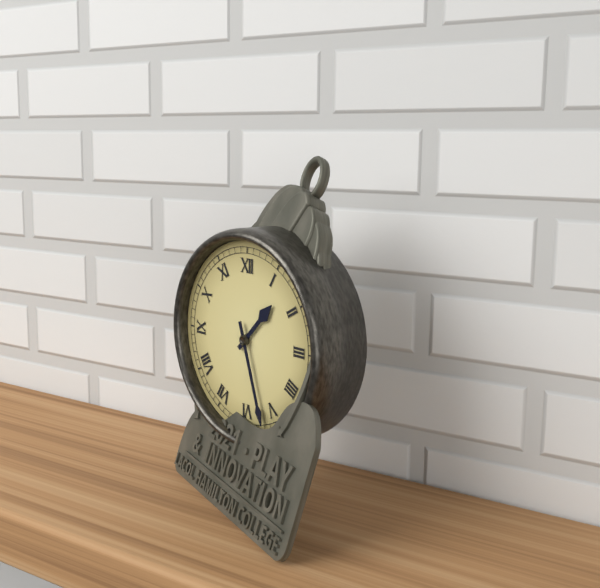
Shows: h=1 m=27
